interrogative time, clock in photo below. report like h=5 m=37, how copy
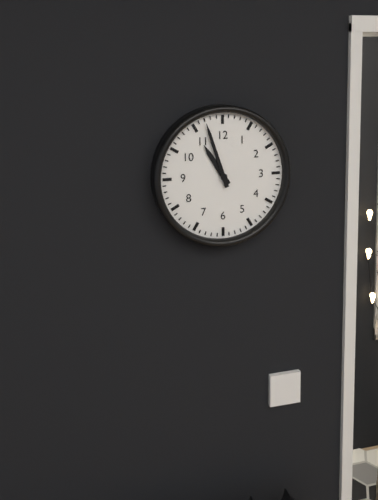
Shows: h=10 m=57
